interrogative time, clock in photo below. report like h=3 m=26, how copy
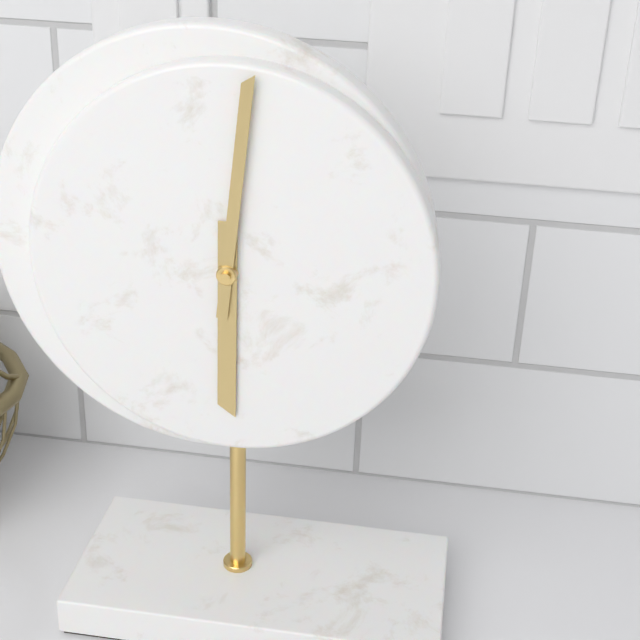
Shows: h=6 m=1
